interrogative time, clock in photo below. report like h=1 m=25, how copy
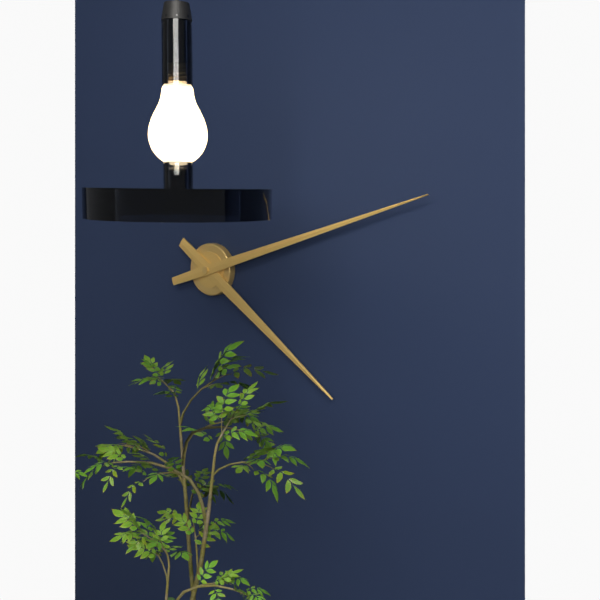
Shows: h=4 m=12
